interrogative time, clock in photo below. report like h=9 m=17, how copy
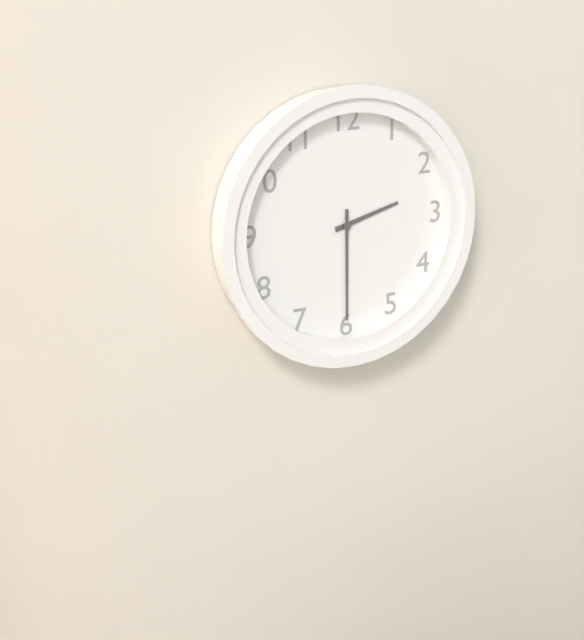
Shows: h=2 m=30
